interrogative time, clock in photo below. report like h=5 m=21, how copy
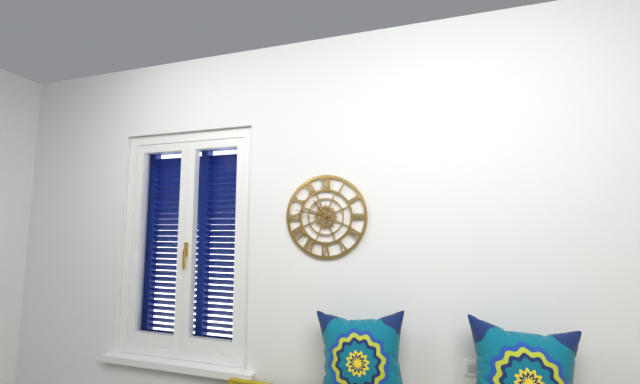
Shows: h=10 m=47
